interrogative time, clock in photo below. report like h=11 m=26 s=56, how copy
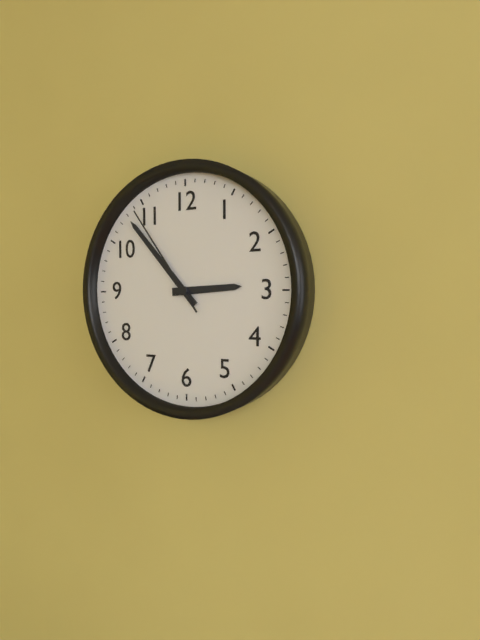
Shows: h=2 m=53 s=54
